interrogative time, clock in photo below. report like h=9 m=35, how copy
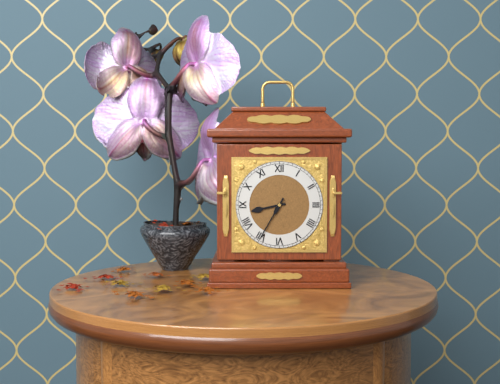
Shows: h=8 m=35
